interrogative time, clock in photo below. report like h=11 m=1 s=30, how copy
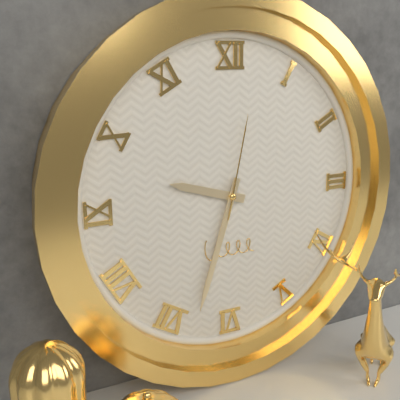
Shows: h=9 m=33 s=2
